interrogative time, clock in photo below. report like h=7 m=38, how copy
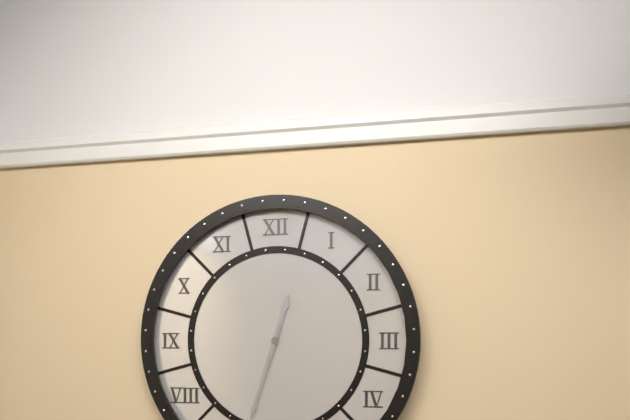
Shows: h=12 m=33
